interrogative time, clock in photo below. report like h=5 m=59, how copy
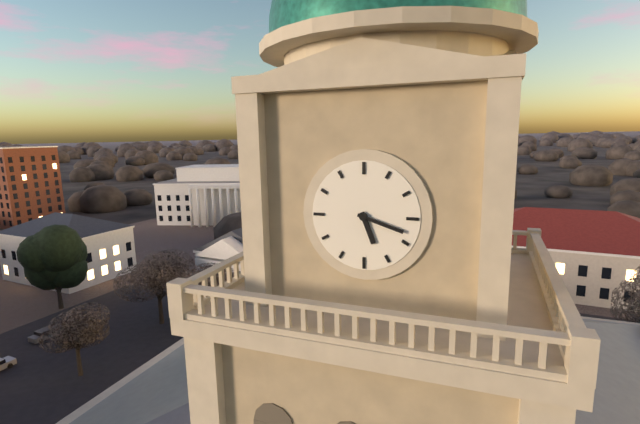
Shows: h=5 m=18
